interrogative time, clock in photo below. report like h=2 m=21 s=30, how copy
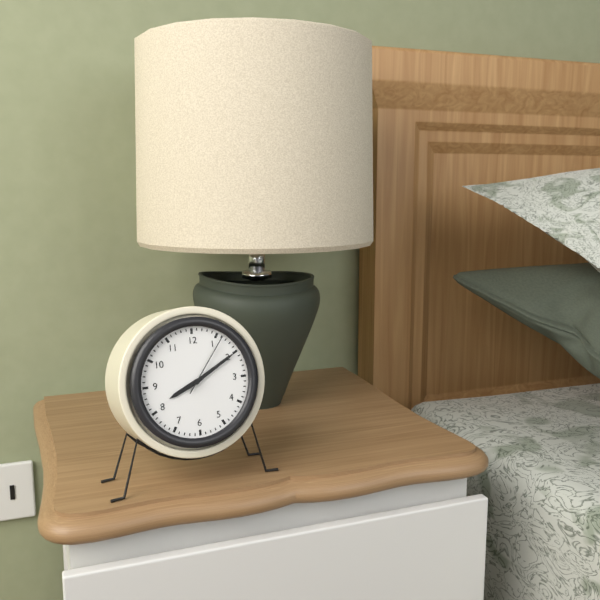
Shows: h=8 m=10 s=6
